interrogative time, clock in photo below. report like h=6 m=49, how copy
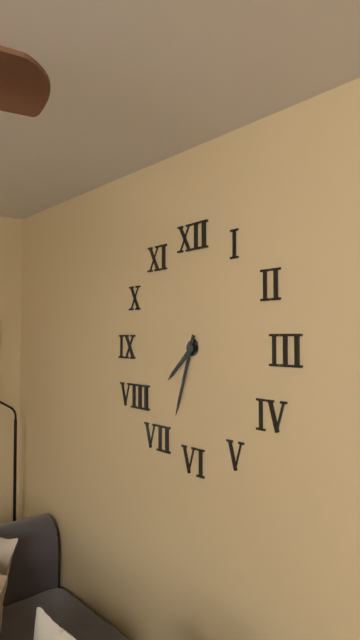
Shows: h=7 m=33
